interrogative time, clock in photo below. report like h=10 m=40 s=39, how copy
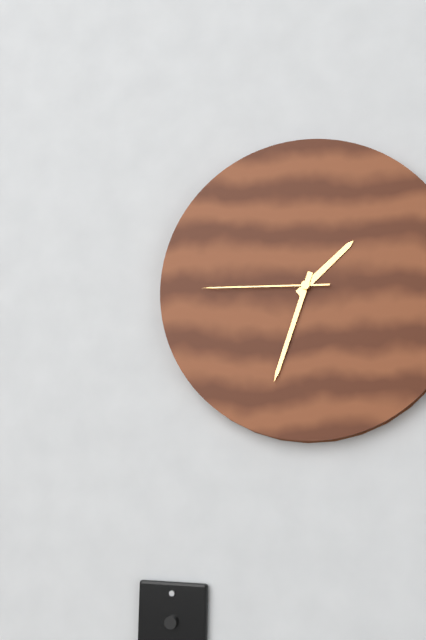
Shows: h=1 m=33 s=45
